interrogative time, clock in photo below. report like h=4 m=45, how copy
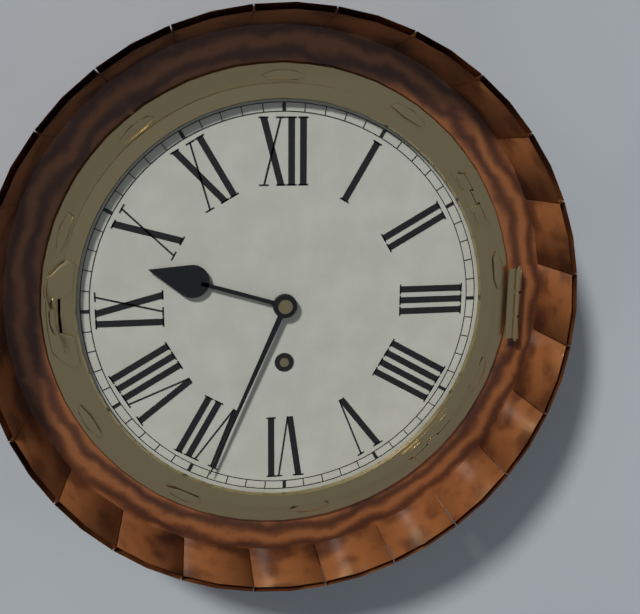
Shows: h=9 m=34
